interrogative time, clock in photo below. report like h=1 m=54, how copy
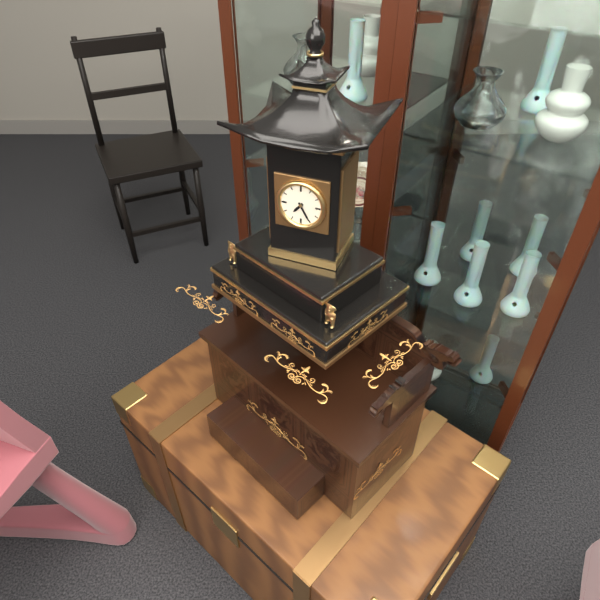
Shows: h=7 m=25
